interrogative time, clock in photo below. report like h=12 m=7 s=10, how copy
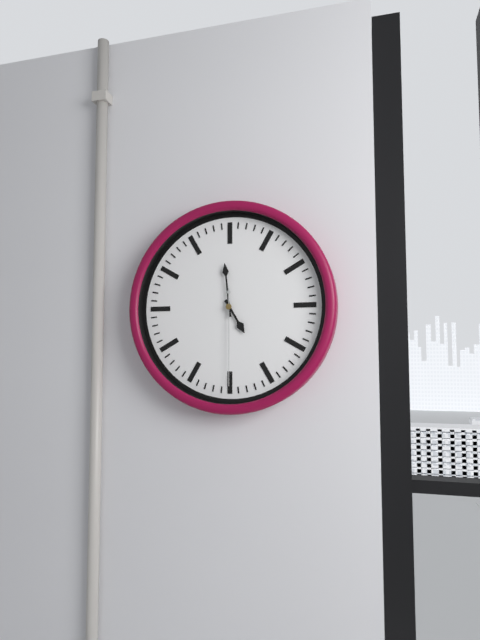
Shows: h=4 m=59 s=30
